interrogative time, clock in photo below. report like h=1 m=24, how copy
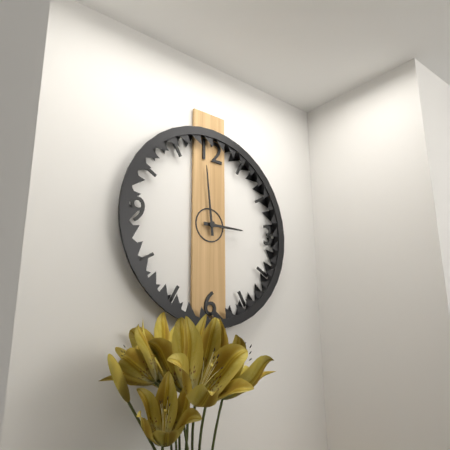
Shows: h=2 m=59
